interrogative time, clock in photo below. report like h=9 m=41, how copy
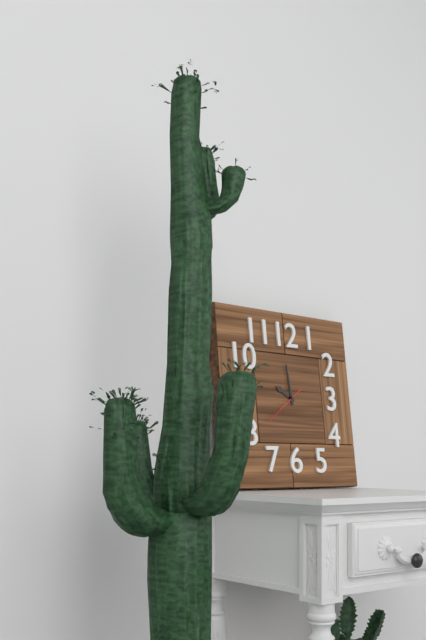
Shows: h=9 m=59
